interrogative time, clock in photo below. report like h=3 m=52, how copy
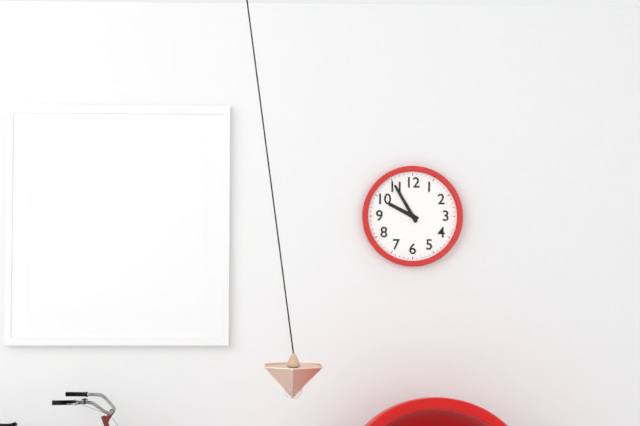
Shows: h=9 m=55
